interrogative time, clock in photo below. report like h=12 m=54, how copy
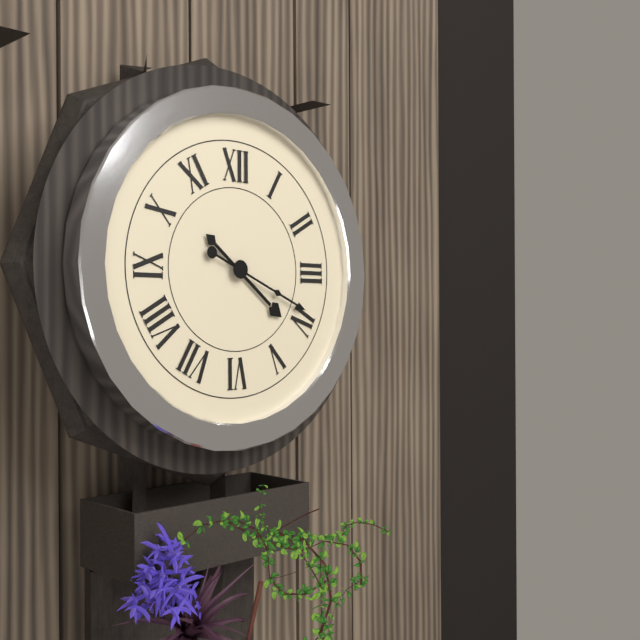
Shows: h=4 m=19
